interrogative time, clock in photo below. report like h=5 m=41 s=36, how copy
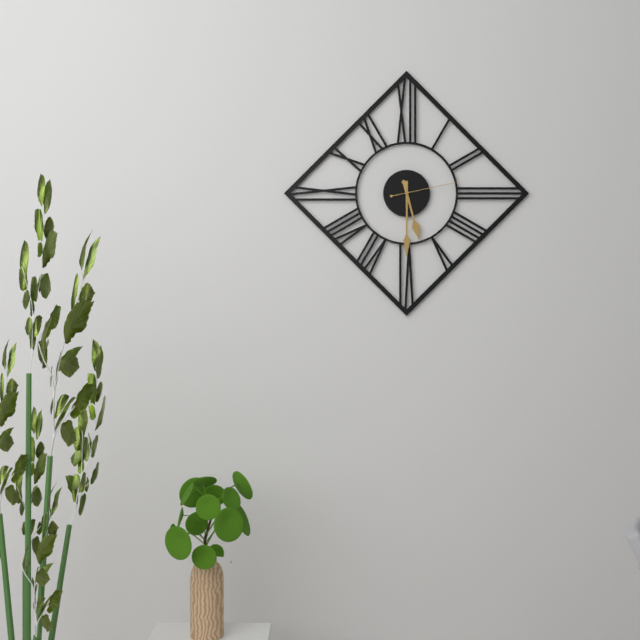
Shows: h=5 m=30 s=13
